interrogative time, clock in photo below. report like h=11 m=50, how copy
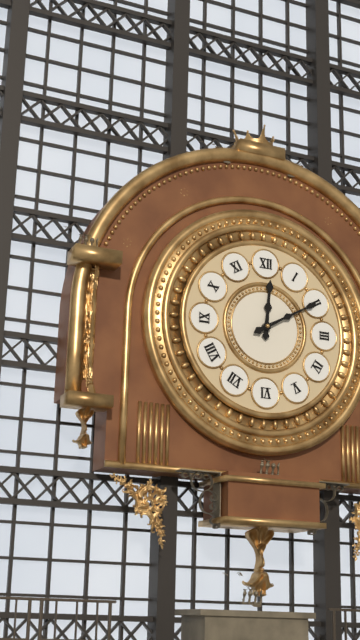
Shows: h=12 m=10
